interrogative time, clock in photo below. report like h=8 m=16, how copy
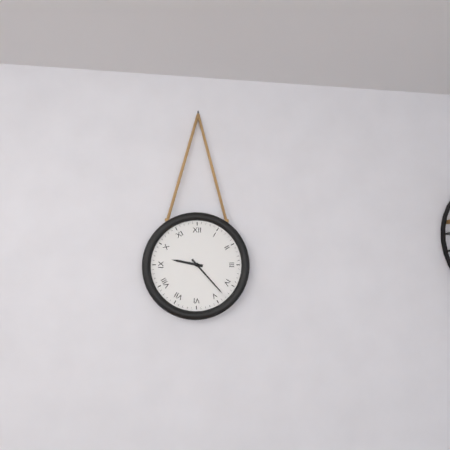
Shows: h=9 m=23
